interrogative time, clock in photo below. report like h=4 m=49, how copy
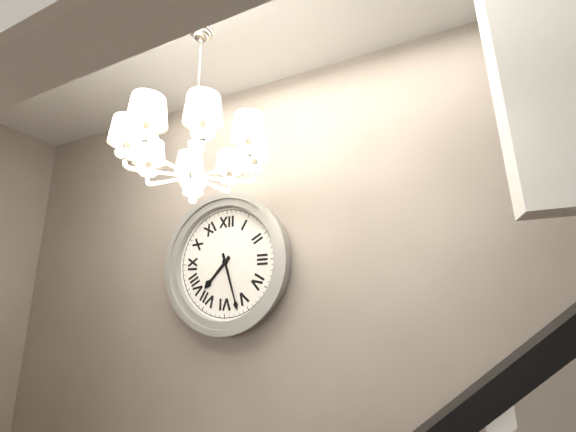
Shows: h=7 m=27
